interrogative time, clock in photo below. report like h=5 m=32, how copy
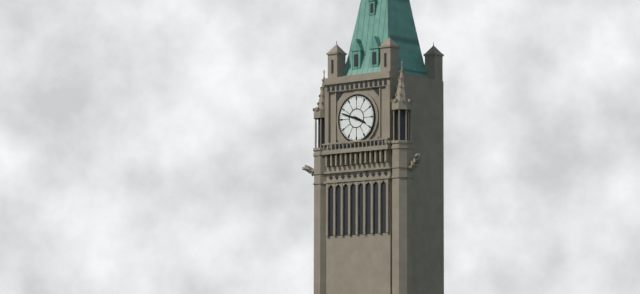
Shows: h=3 m=48
